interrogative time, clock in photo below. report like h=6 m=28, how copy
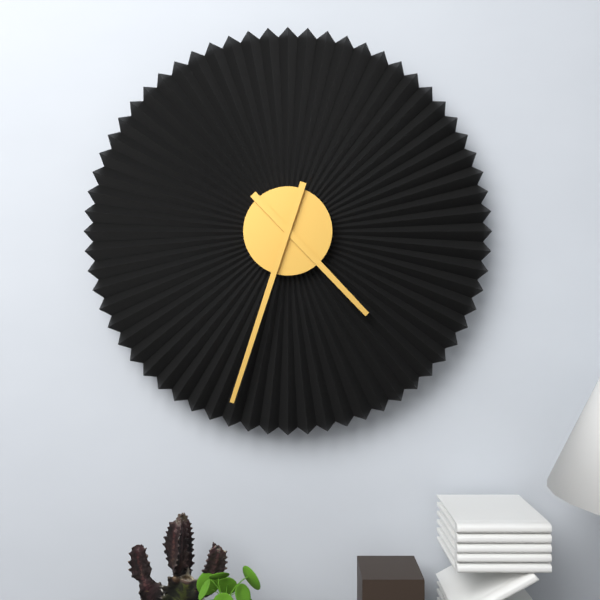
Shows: h=4 m=33
